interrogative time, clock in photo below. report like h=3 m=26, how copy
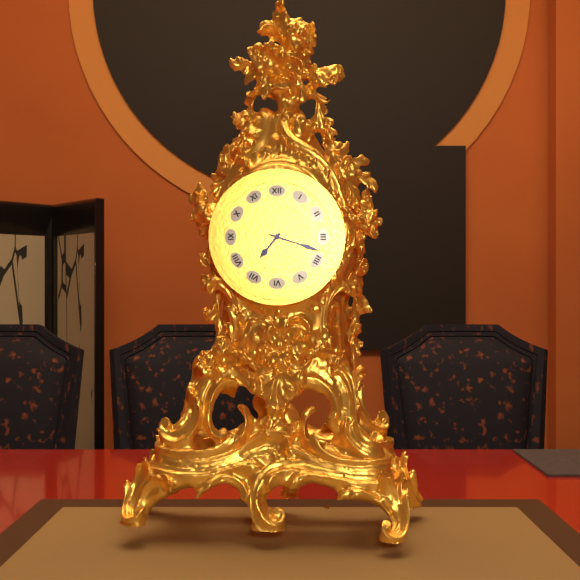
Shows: h=7 m=18
